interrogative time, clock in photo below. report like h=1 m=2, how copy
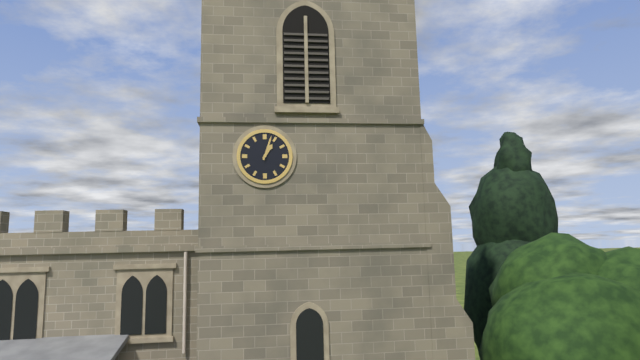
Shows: h=1 m=3
